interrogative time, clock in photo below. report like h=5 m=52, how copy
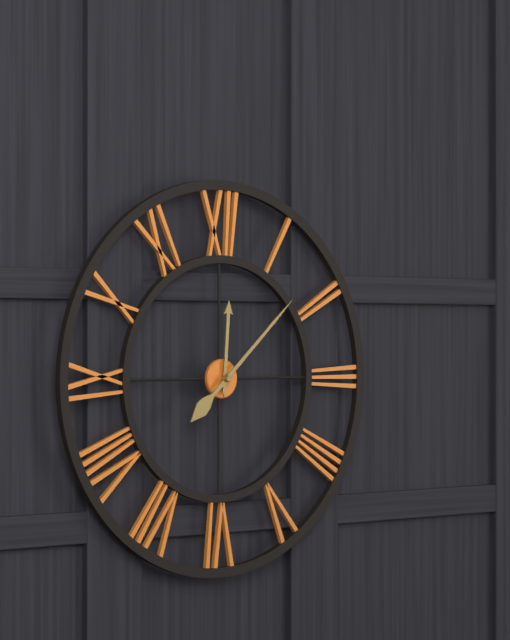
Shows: h=12 m=8
